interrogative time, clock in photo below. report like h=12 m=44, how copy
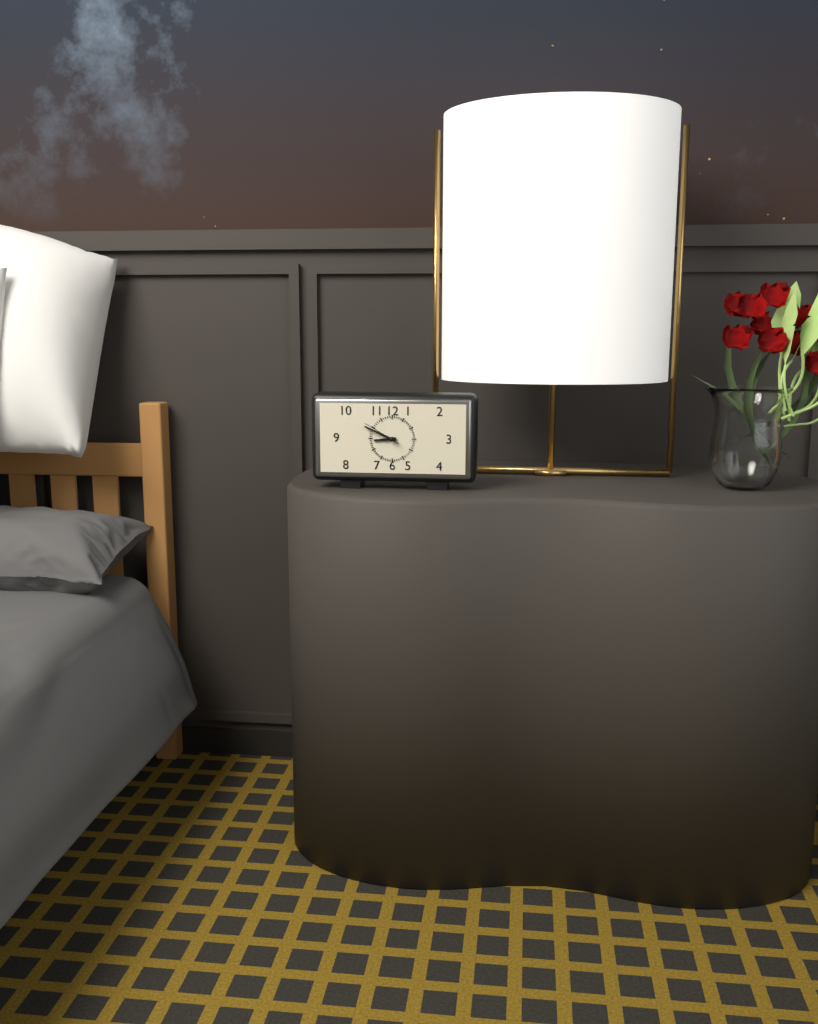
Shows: h=8 m=49
